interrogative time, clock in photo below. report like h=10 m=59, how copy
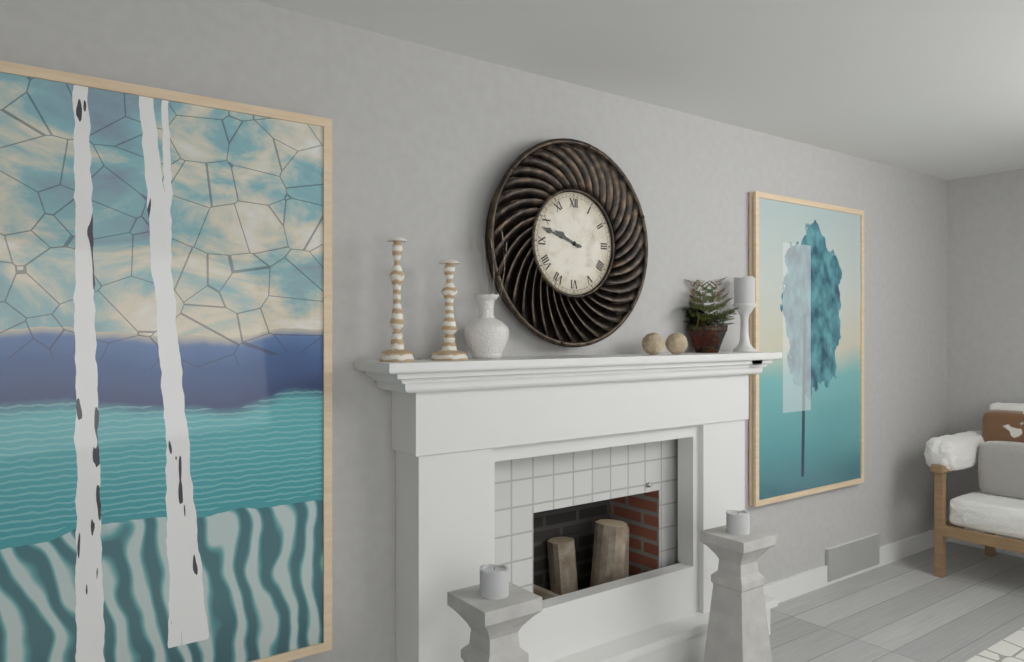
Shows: h=9 m=48
